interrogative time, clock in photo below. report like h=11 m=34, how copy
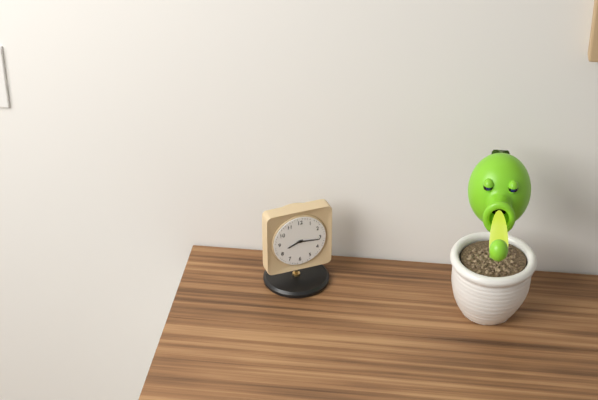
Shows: h=8 m=16
